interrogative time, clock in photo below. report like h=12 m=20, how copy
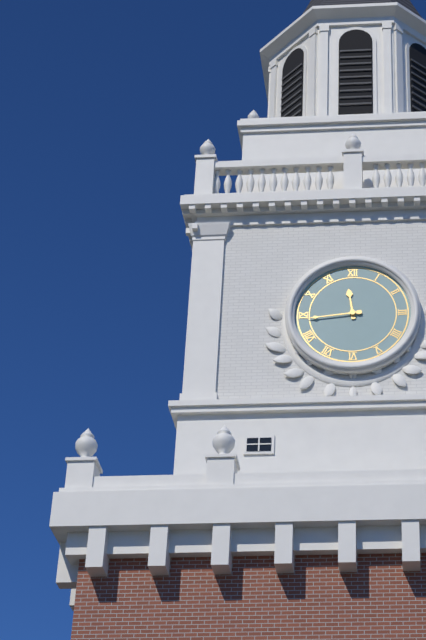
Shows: h=11 m=44
